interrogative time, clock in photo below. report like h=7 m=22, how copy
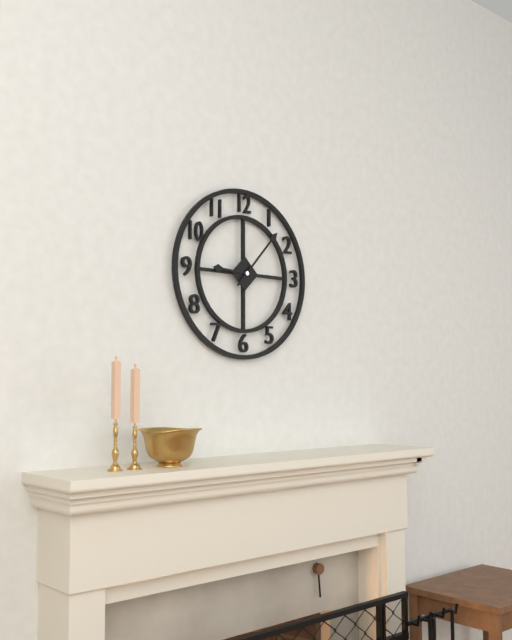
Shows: h=9 m=7
